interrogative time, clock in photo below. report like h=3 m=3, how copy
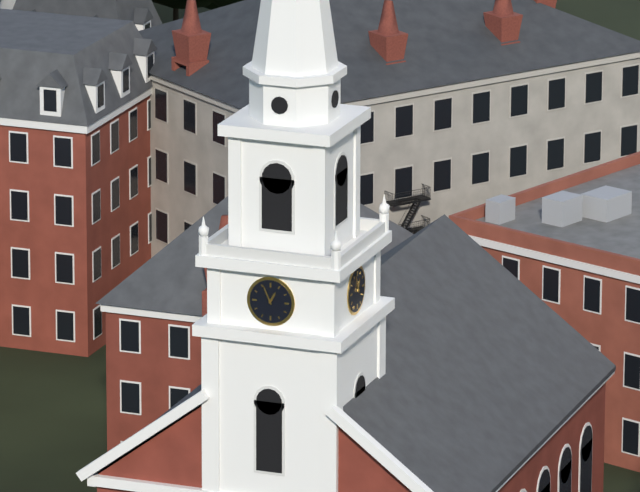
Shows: h=12 m=56
